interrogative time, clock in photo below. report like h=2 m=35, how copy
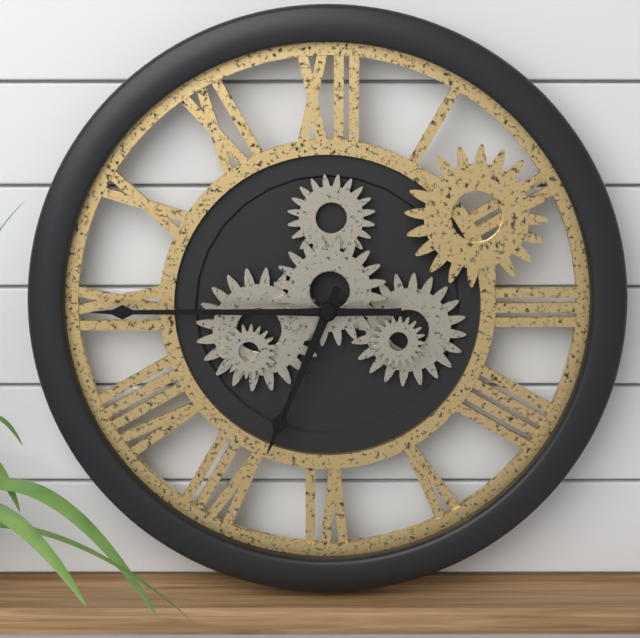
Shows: h=6 m=45
